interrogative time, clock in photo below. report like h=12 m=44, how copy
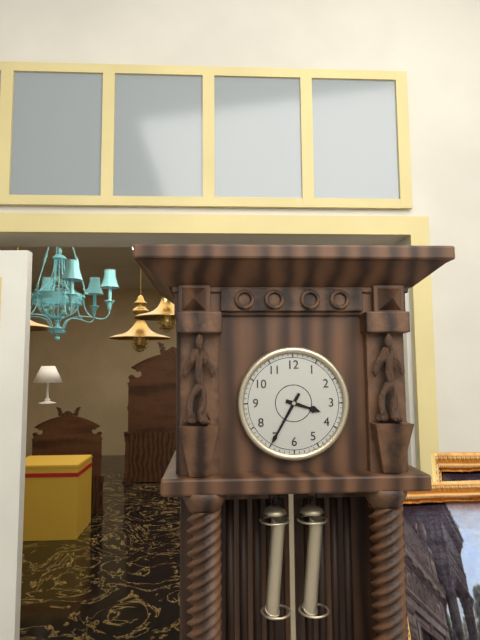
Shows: h=3 m=35
